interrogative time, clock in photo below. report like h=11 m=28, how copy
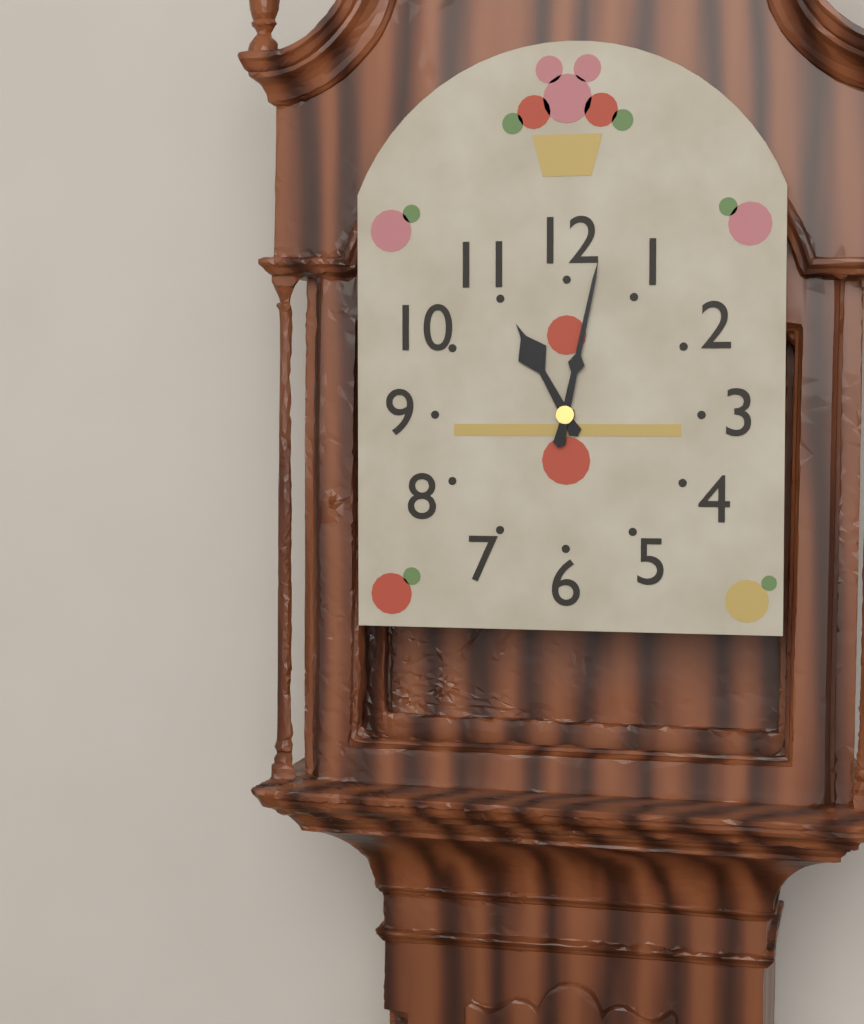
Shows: h=11 m=2
